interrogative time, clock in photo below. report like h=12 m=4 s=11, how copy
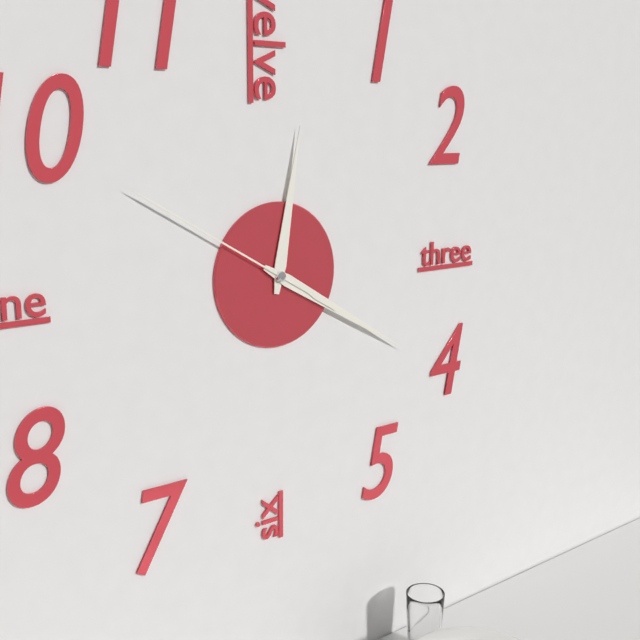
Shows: h=12 m=20 s=50
